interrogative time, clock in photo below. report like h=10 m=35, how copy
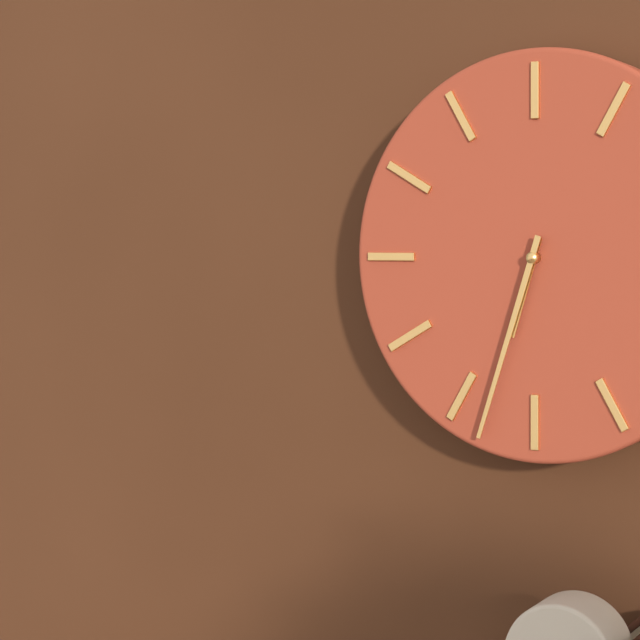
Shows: h=6 m=33
